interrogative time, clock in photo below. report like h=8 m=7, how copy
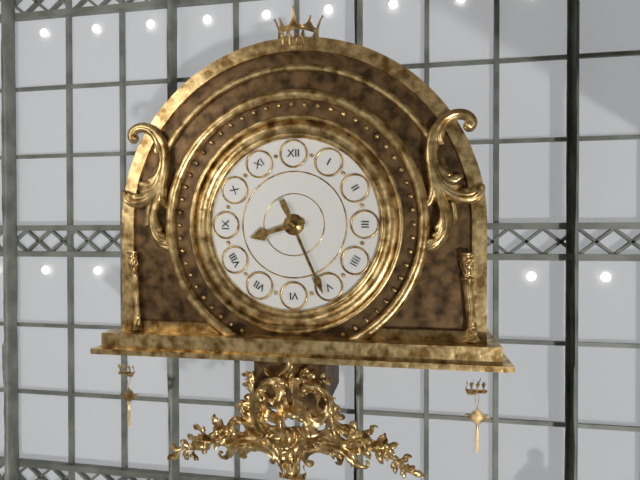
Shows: h=8 m=26
